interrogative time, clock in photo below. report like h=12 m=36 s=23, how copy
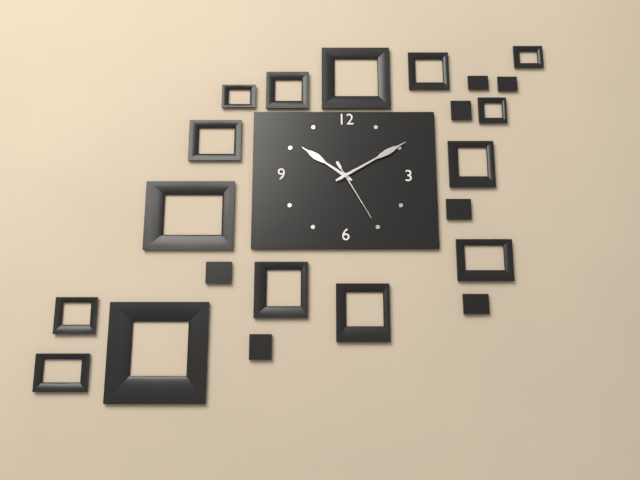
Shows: h=10 m=10 s=25
